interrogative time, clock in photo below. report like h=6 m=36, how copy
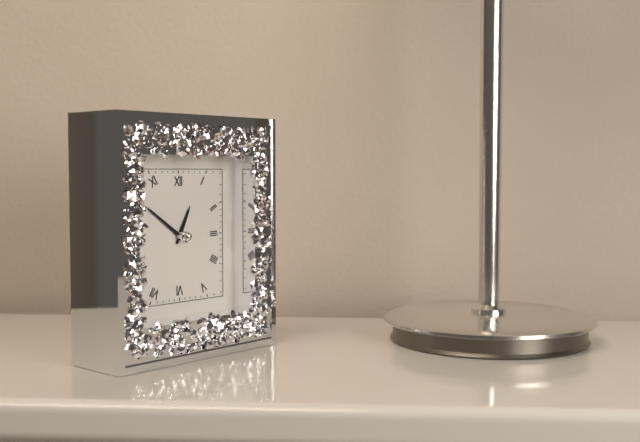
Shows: h=12 m=51
